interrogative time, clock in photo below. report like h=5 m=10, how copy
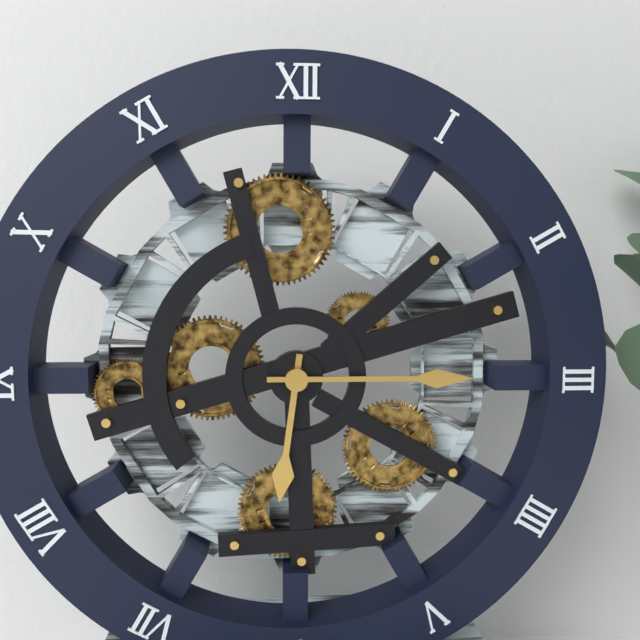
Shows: h=6 m=15
